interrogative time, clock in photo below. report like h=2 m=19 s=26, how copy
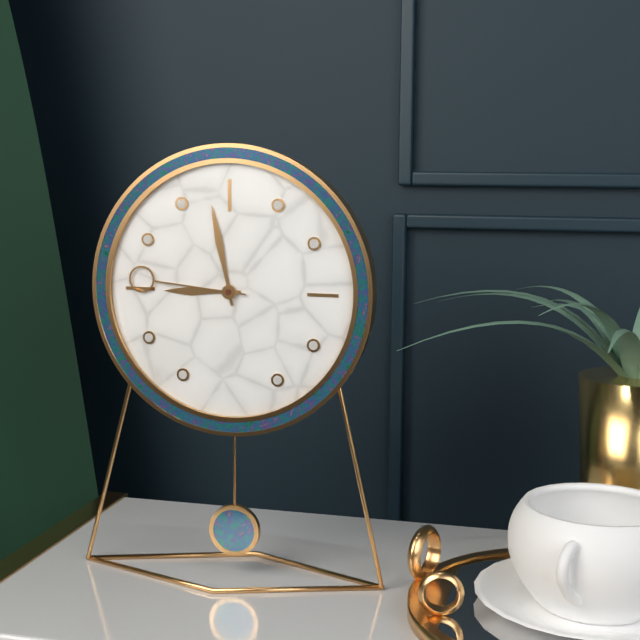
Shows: h=8 m=58 s=46
